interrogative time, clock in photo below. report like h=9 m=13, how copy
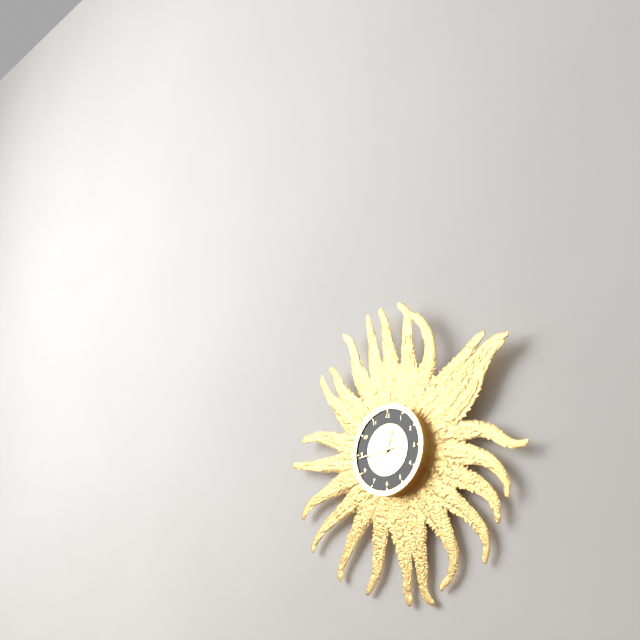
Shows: h=12 m=44
